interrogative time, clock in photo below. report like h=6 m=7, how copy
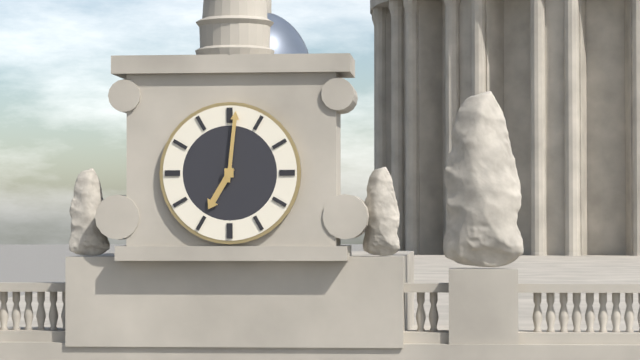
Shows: h=7 m=1
